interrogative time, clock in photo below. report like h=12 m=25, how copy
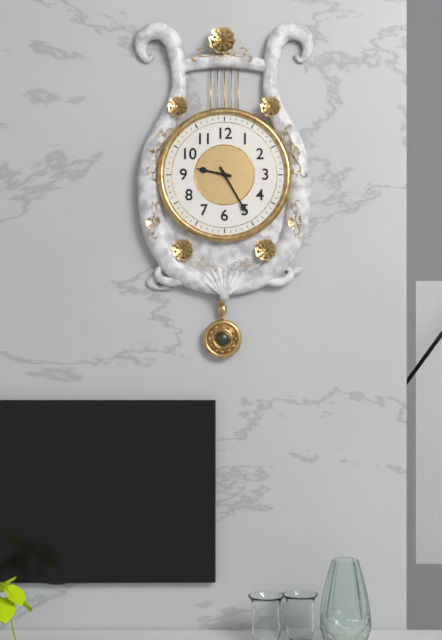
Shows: h=9 m=25
